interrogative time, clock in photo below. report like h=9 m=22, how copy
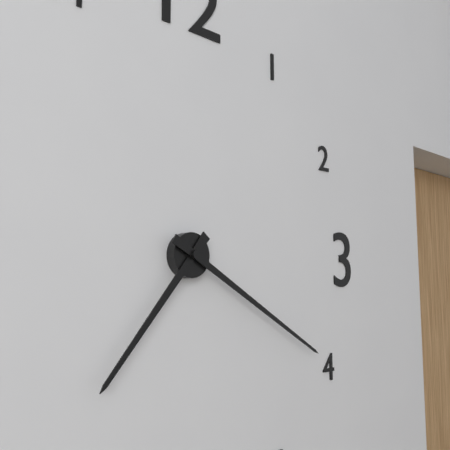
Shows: h=7 m=20
